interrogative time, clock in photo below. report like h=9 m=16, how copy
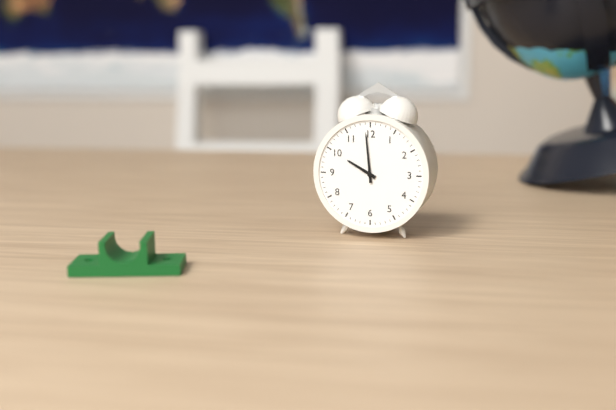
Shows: h=9 m=59
